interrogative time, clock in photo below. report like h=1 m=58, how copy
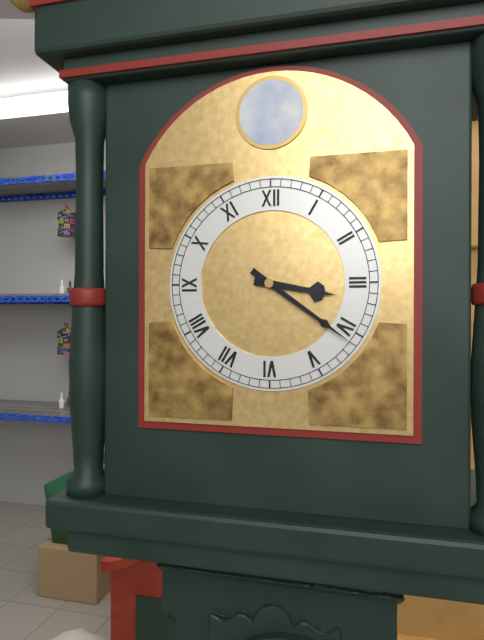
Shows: h=3 m=21
